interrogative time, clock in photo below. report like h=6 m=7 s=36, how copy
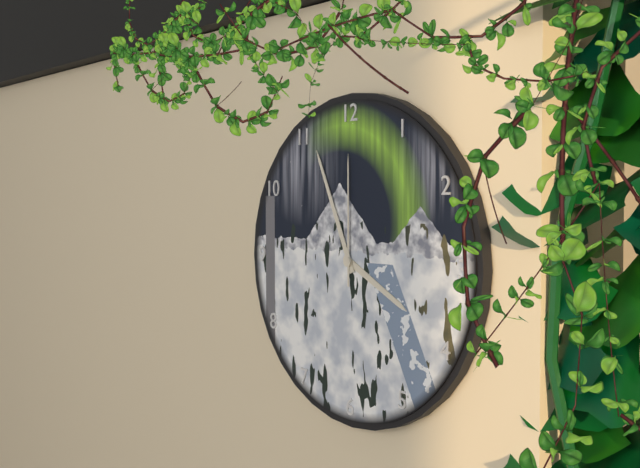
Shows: h=3 m=56 s=0
